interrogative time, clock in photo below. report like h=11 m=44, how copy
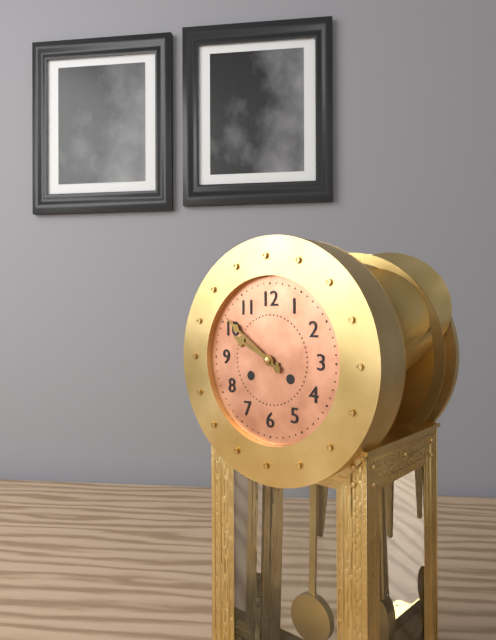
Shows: h=9 m=51
